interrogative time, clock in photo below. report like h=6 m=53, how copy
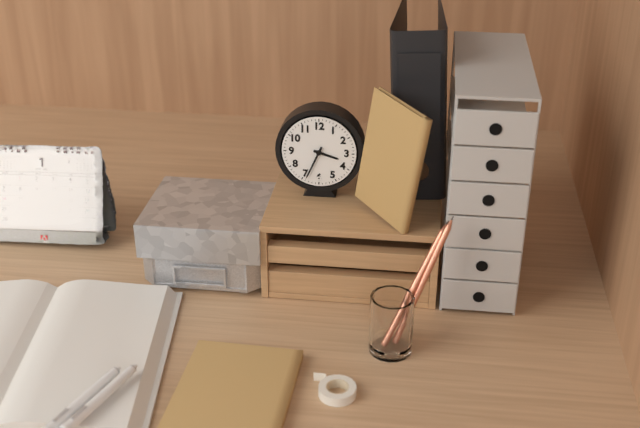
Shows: h=3 m=34
